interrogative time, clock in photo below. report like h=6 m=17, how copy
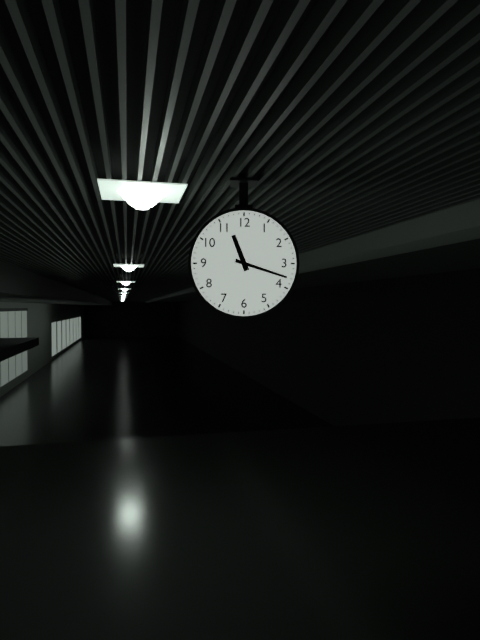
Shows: h=11 m=18
